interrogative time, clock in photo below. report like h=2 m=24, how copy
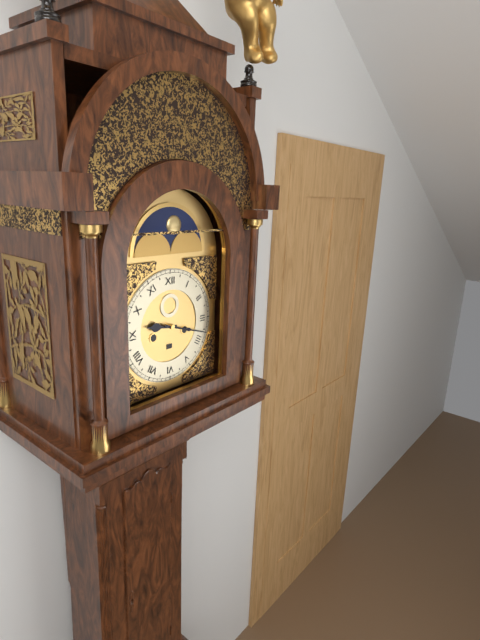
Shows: h=9 m=18
